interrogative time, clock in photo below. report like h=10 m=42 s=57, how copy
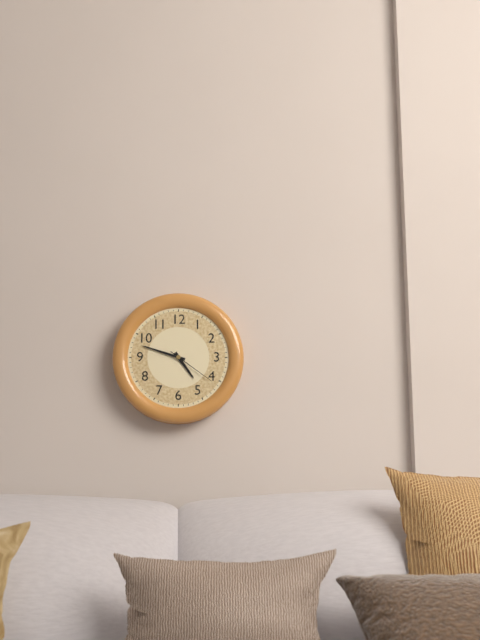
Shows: h=4 m=48 s=21
